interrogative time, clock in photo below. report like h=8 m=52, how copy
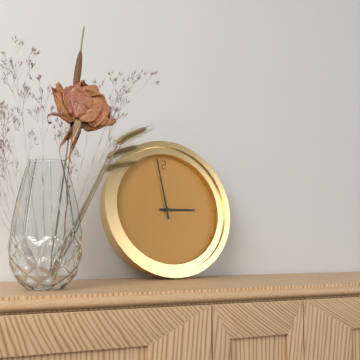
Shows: h=2 m=59
